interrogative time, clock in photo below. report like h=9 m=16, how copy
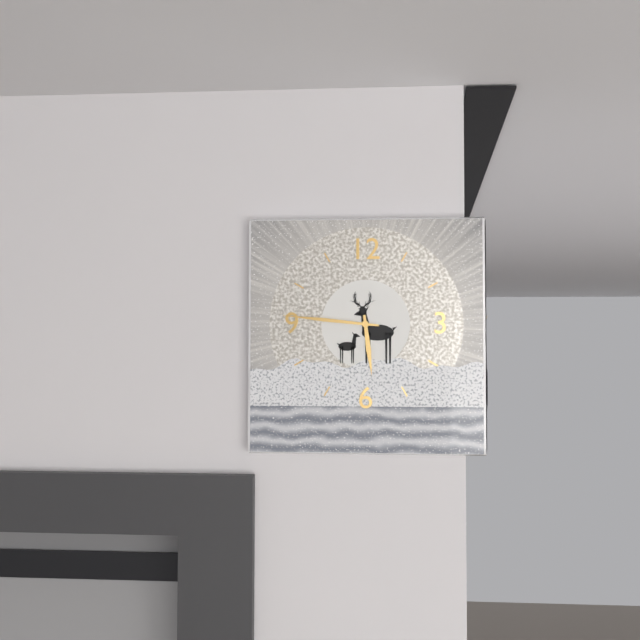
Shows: h=5 m=46
